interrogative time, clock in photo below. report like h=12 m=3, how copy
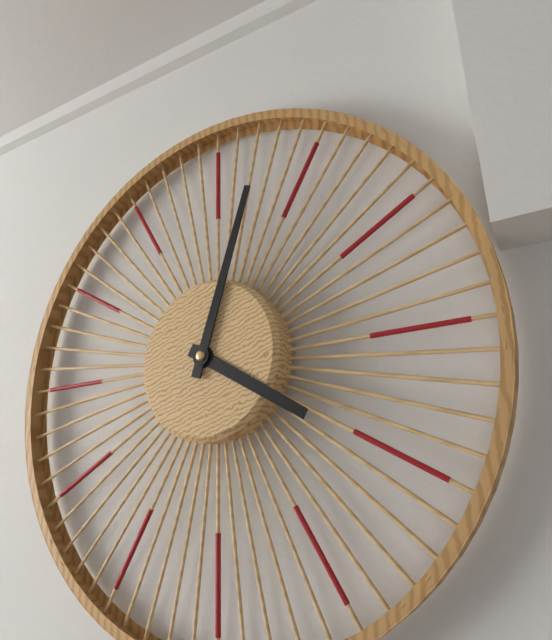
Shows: h=4 m=3
